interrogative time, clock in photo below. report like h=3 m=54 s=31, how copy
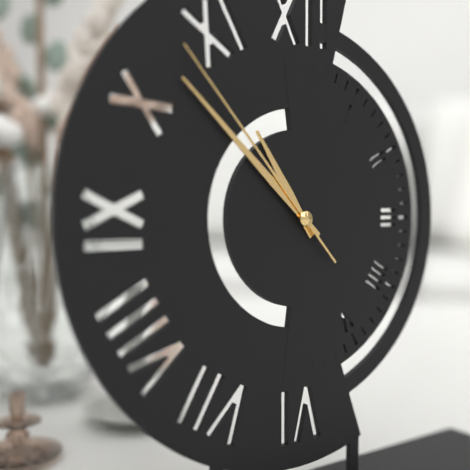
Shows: h=10 m=52 s=53
